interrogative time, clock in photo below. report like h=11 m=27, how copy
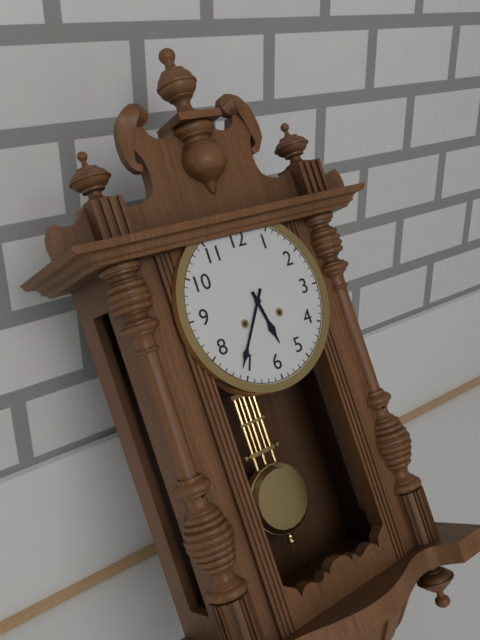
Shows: h=5 m=36
